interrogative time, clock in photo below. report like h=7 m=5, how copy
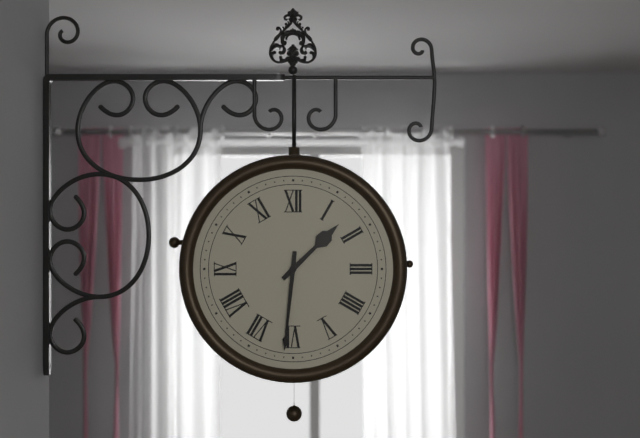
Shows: h=1 m=31
